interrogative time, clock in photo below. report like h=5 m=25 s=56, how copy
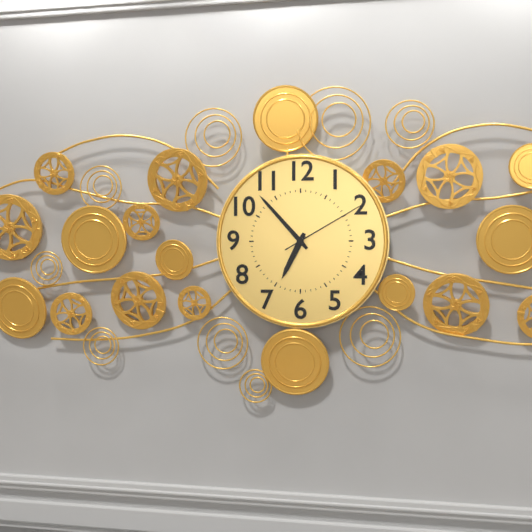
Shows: h=6 m=53 s=10
